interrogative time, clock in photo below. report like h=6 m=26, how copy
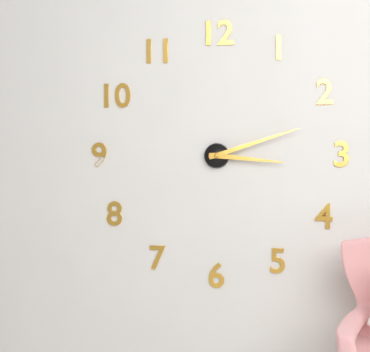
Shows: h=3 m=12
